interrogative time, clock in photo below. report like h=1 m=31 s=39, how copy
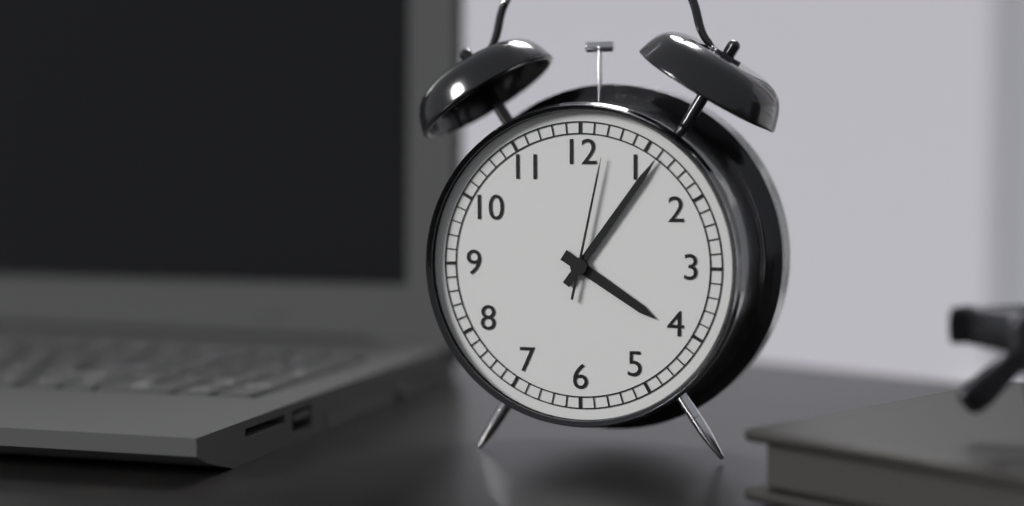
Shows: h=4 m=6 s=2
